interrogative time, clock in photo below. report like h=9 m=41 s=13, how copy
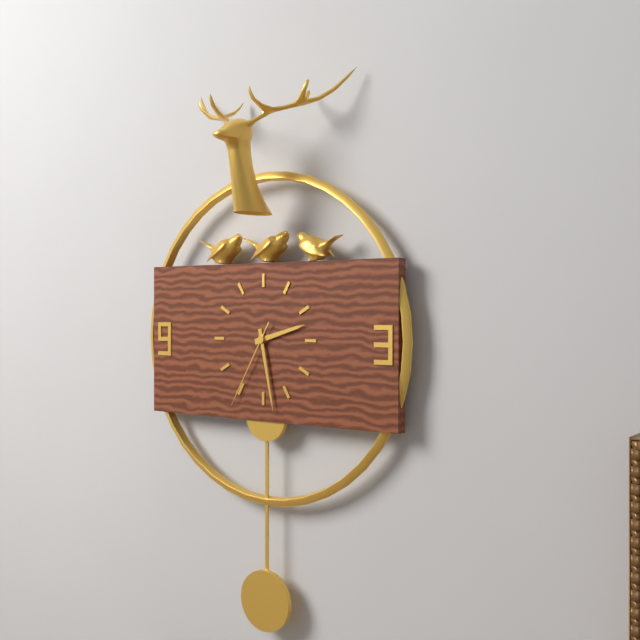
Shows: h=2 m=28 s=35
